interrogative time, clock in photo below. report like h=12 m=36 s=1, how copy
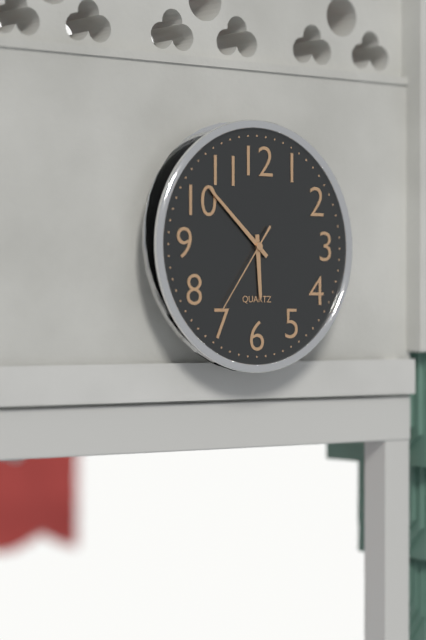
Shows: h=5 m=52 s=36
